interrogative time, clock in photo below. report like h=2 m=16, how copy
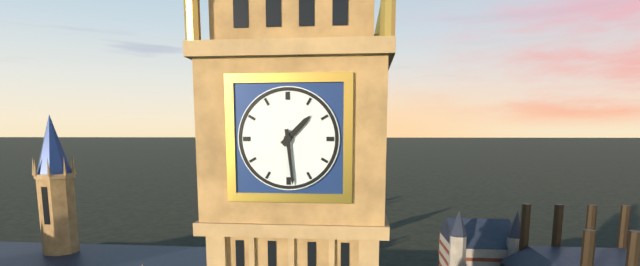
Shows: h=1 m=29
